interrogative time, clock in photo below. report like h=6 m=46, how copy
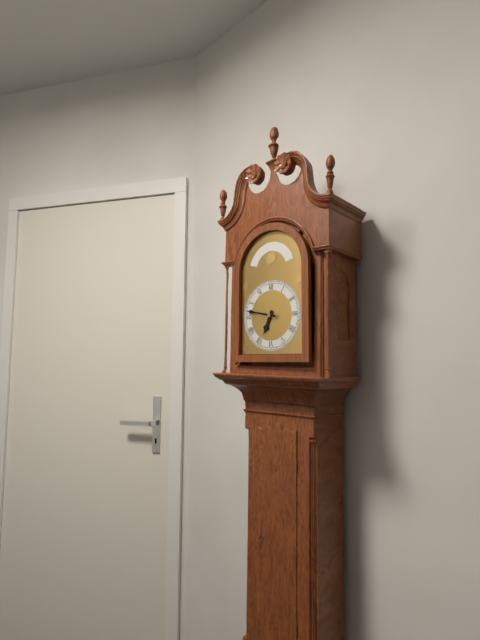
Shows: h=6 m=47
